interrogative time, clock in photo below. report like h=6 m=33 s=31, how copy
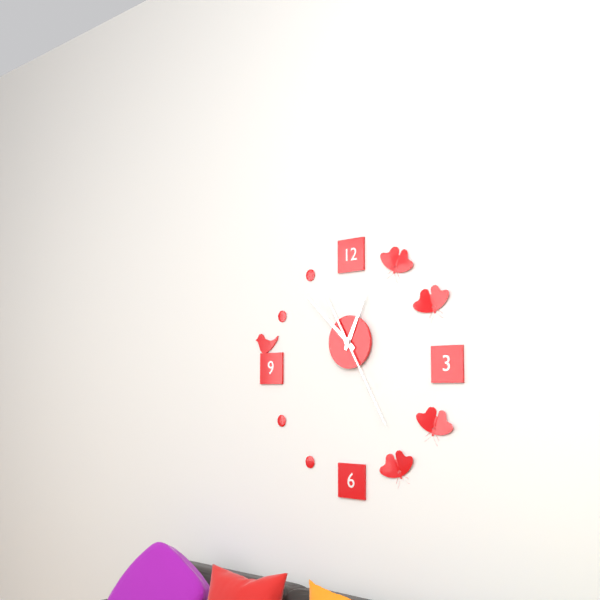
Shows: h=12 m=52 s=25
